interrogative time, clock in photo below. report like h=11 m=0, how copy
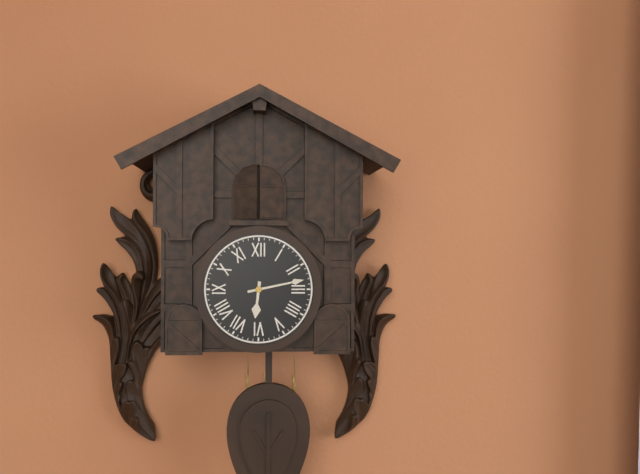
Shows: h=6 m=13
